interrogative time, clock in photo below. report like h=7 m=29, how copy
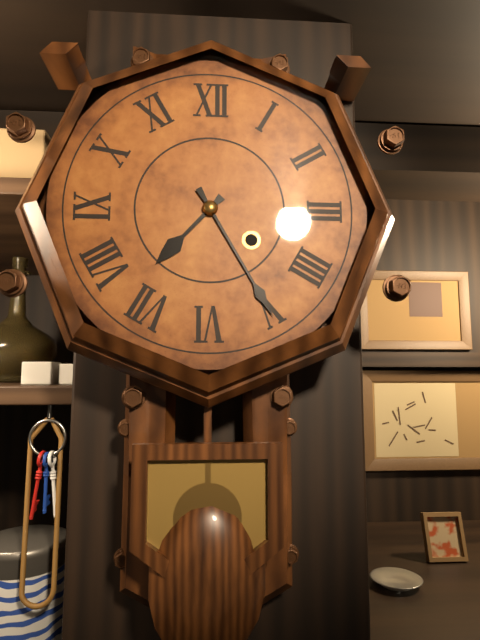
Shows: h=7 m=25
